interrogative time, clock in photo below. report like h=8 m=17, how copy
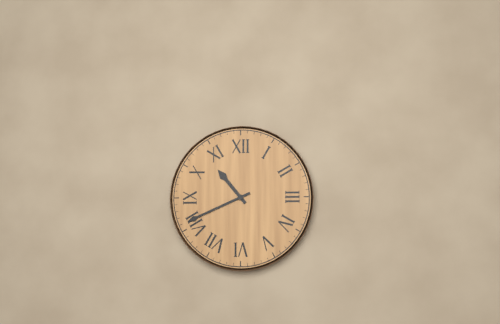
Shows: h=10 m=41
